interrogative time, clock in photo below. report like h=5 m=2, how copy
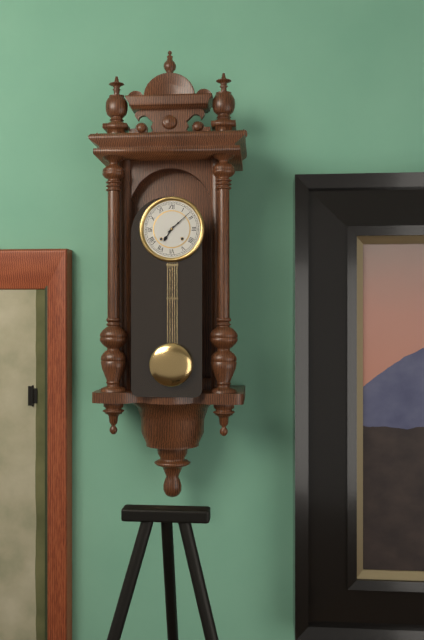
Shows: h=7 m=8
